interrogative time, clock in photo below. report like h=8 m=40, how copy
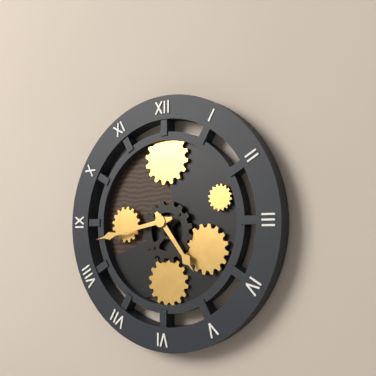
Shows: h=4 m=43
